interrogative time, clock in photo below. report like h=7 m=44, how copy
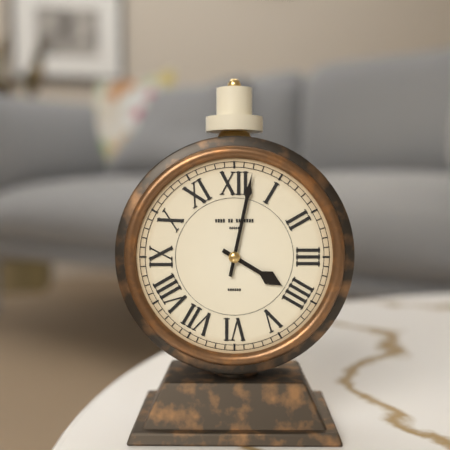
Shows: h=4 m=2
